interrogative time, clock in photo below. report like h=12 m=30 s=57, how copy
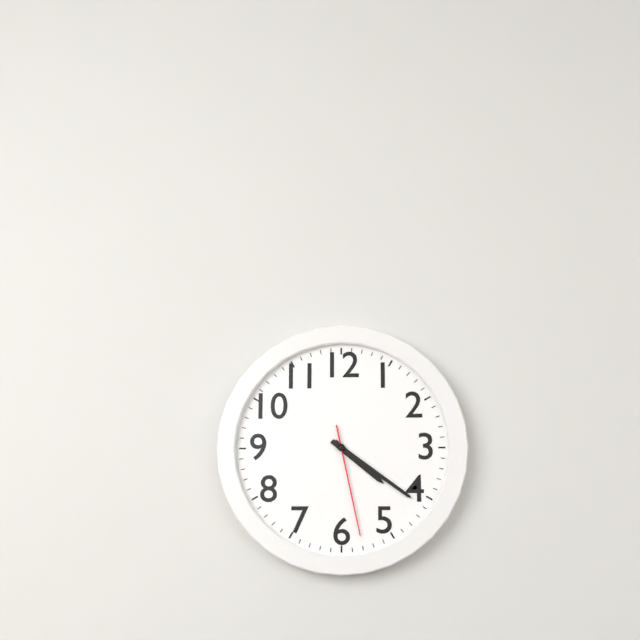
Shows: h=4 m=21 s=28
